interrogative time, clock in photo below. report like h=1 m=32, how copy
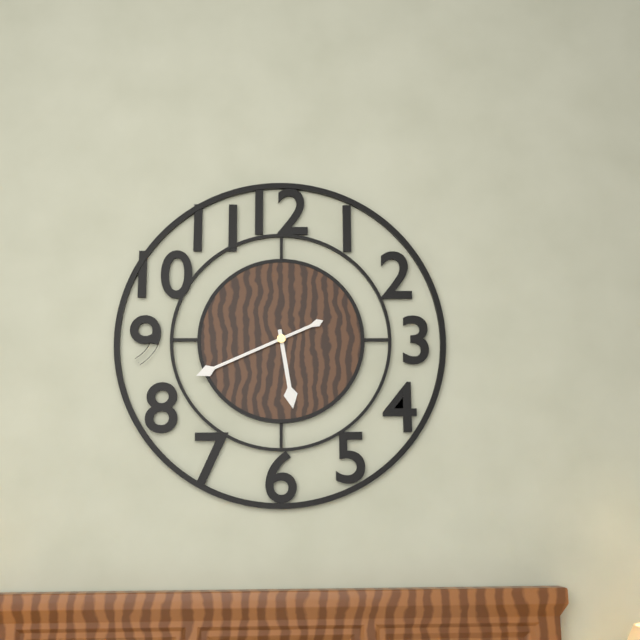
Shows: h=5 m=41
